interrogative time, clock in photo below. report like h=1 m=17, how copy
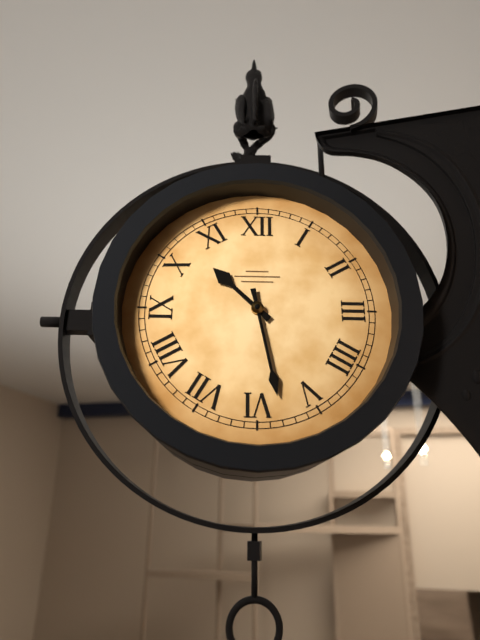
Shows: h=10 m=28
